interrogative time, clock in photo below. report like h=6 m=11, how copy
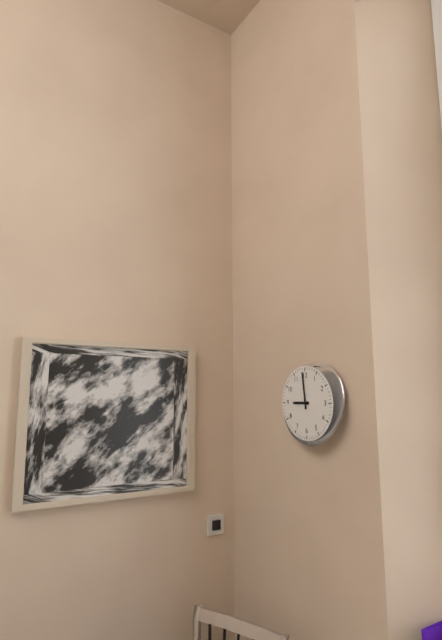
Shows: h=8 m=59
